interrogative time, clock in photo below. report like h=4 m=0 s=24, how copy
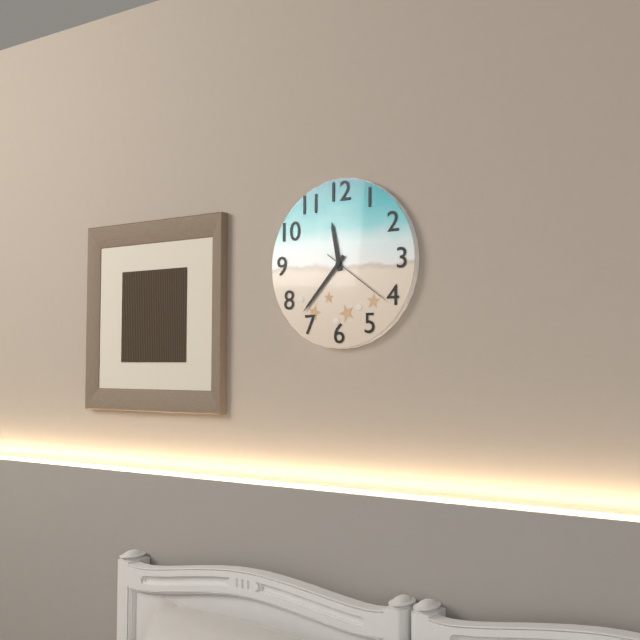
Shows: h=11 m=37 s=21
